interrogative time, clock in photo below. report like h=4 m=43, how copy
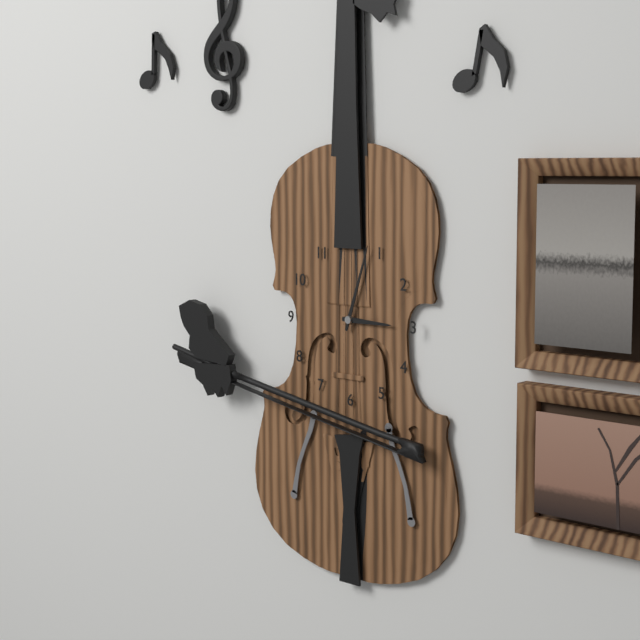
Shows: h=3 m=3
